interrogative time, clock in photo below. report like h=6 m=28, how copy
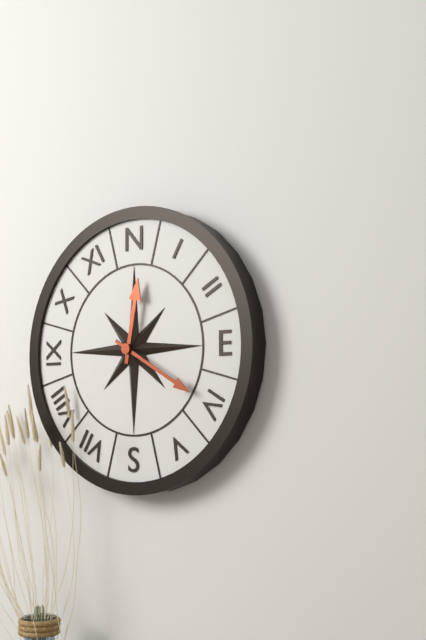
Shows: h=12 m=20
